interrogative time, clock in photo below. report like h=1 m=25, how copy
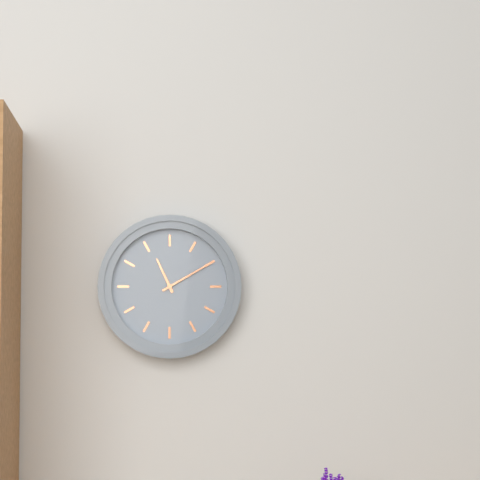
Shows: h=11 m=10
